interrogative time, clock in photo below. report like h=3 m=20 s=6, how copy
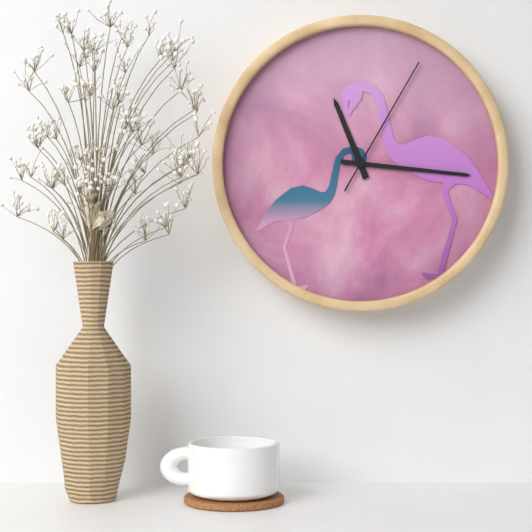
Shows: h=11 m=16 s=5
